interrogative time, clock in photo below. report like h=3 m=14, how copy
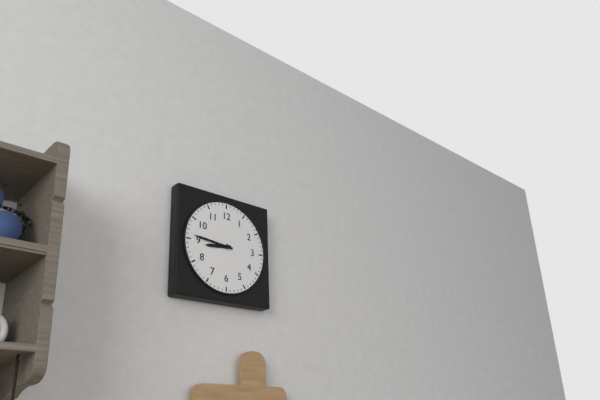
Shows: h=8 m=46
